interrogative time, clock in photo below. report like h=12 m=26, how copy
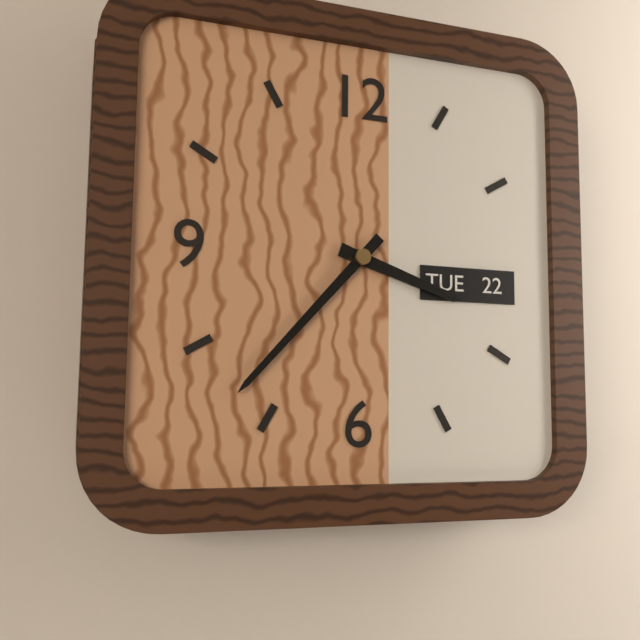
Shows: h=3 m=37
